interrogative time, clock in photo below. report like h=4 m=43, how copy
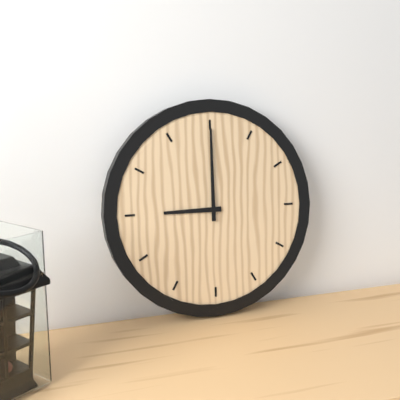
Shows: h=9 m=0
